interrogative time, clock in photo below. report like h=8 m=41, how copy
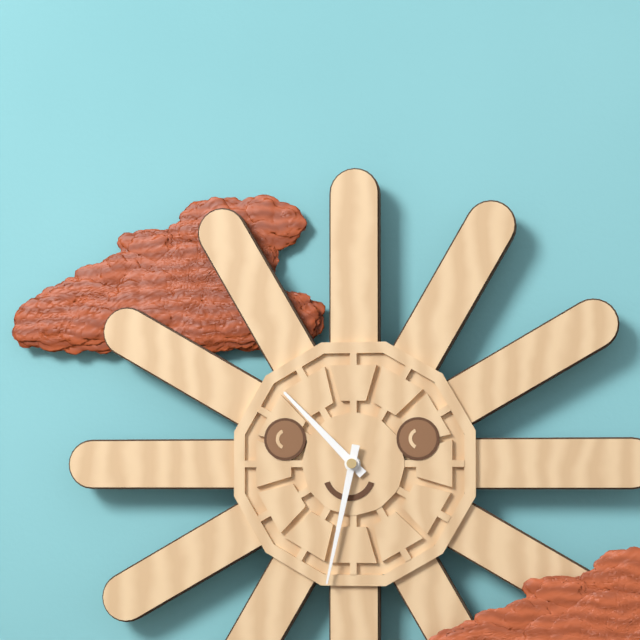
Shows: h=10 m=32
